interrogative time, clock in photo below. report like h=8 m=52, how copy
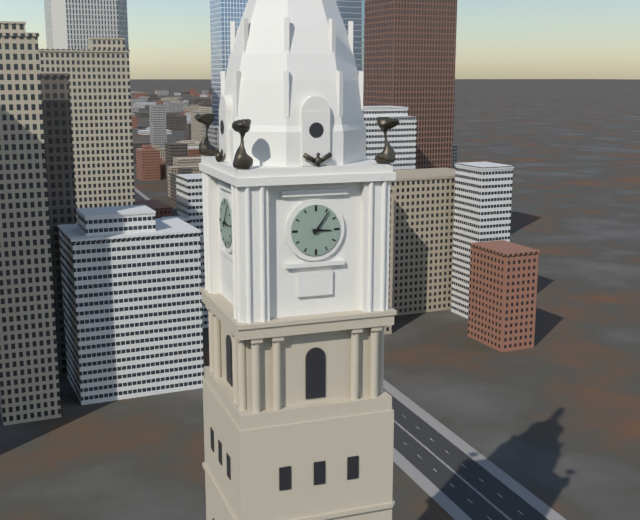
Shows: h=3 m=6
